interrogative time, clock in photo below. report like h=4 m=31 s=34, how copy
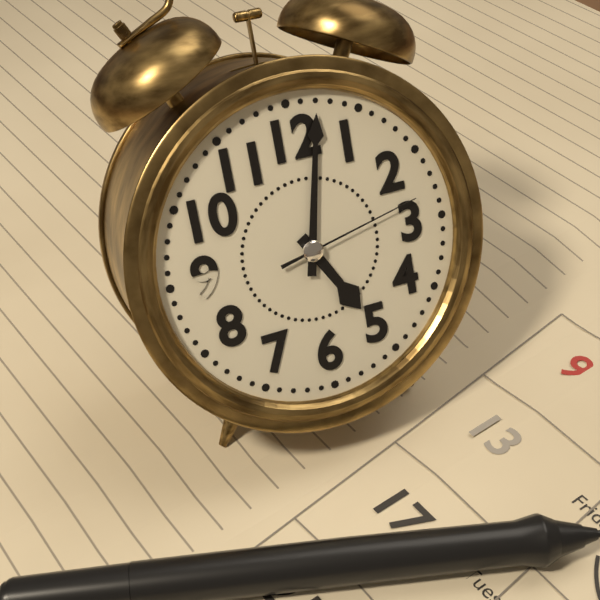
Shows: h=5 m=2 s=13
